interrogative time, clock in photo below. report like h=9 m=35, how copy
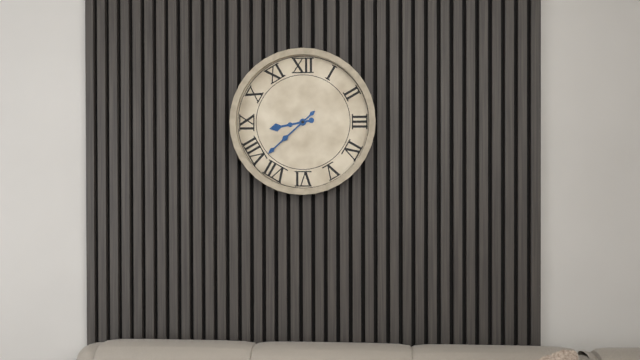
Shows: h=8 m=38
